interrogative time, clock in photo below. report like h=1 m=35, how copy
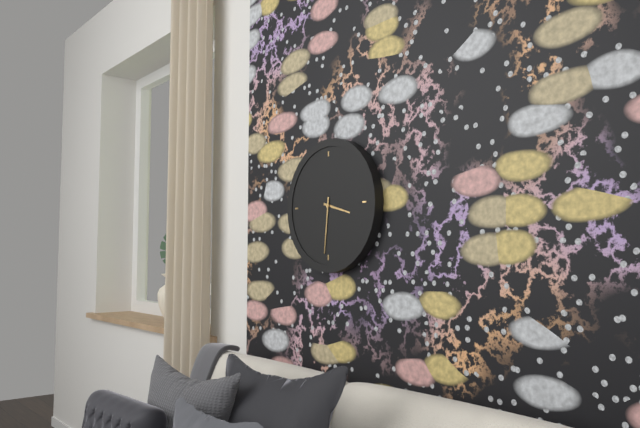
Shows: h=3 m=31
